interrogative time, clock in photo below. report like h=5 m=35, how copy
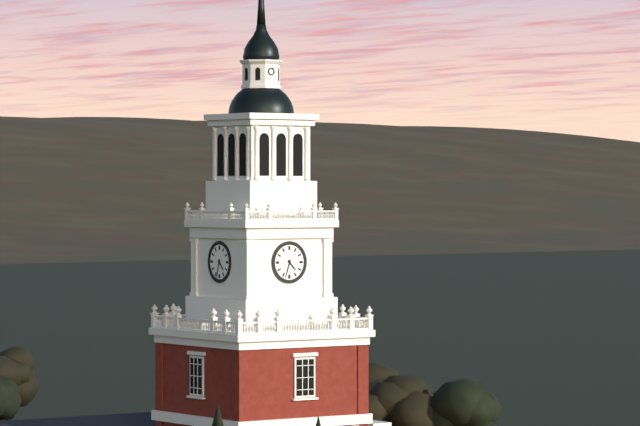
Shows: h=4 m=33
